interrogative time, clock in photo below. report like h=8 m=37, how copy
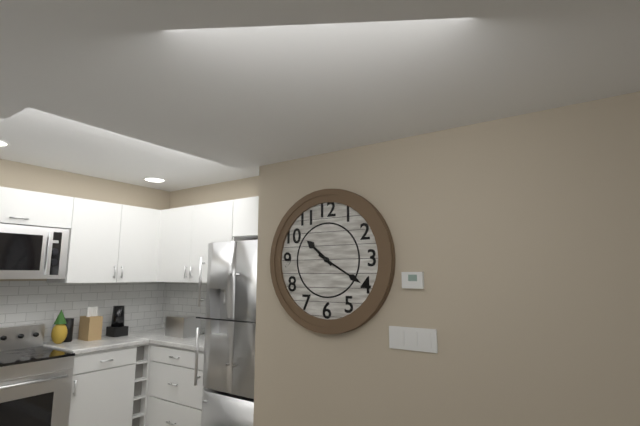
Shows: h=10 m=20
